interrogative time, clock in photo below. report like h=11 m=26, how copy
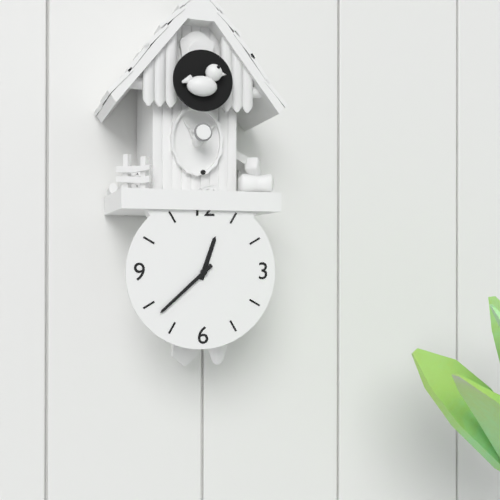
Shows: h=12 m=38
